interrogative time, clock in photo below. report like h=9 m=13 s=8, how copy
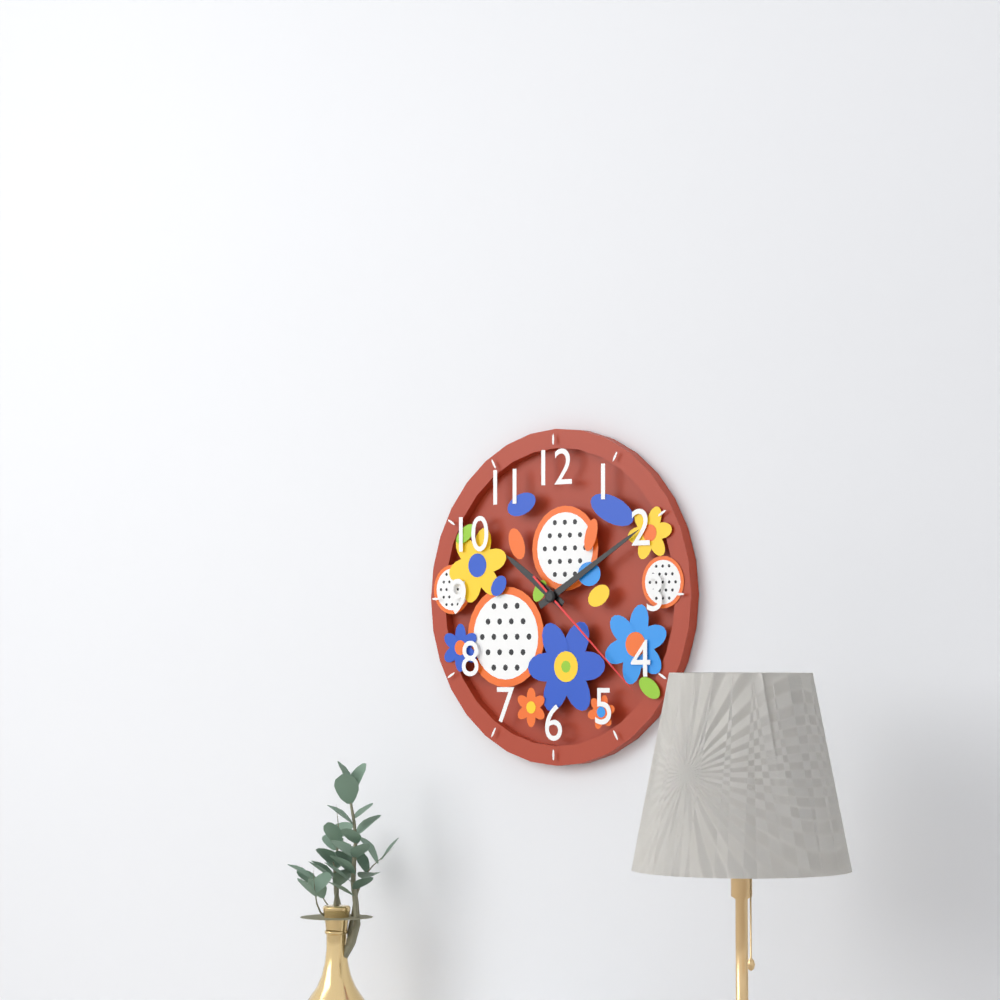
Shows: h=10 m=10 s=22
